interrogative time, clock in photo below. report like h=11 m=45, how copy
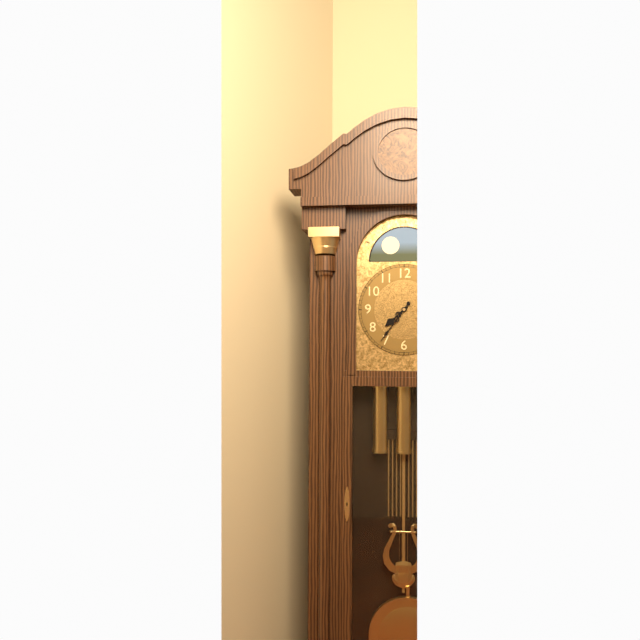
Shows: h=7 m=36
